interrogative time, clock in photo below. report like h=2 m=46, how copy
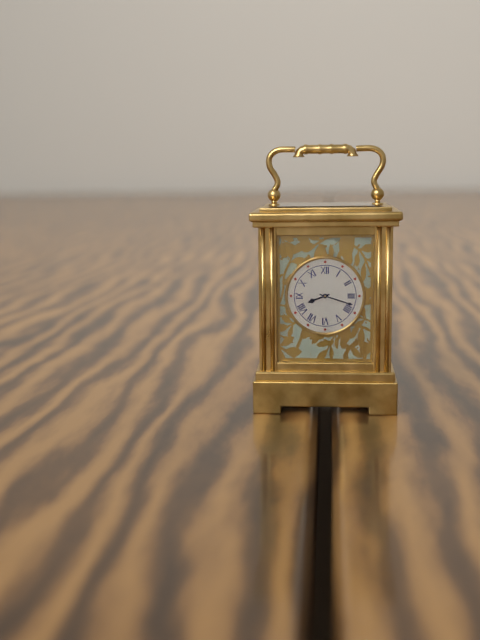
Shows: h=8 m=18
